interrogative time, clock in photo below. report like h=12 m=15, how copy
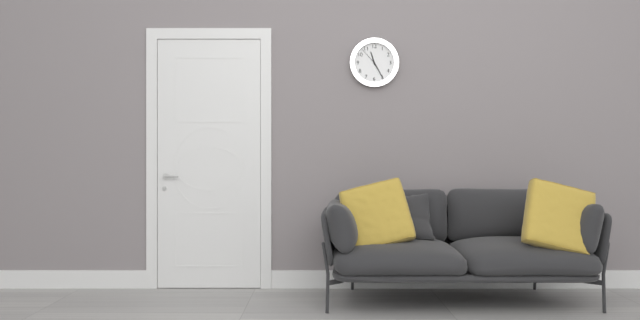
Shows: h=11 m=25
